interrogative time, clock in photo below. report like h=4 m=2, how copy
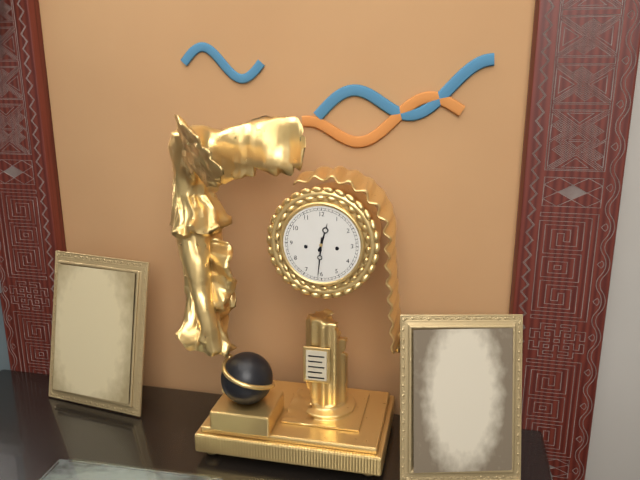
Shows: h=12 m=31
